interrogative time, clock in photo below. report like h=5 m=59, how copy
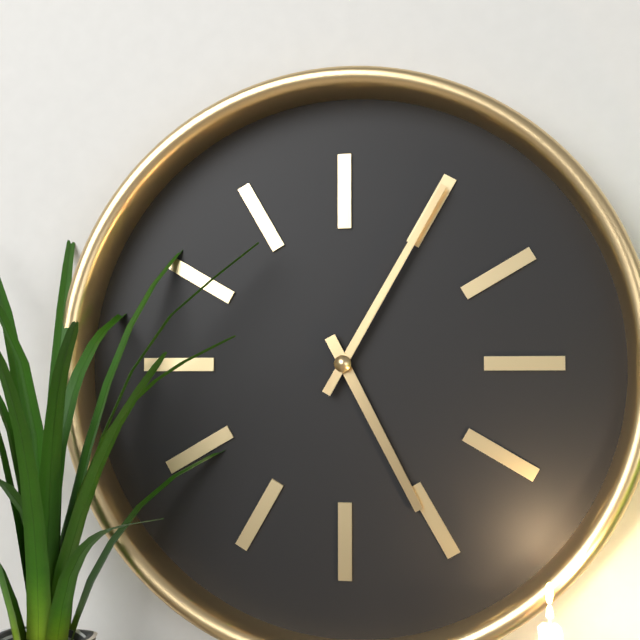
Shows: h=5 m=5
